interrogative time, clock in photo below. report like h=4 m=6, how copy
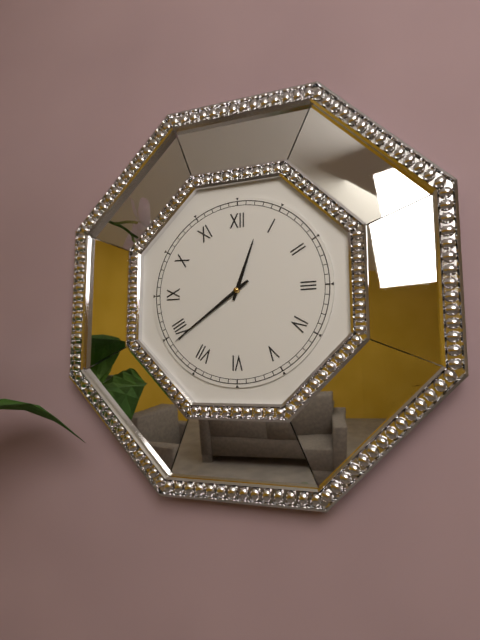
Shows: h=12 m=39
